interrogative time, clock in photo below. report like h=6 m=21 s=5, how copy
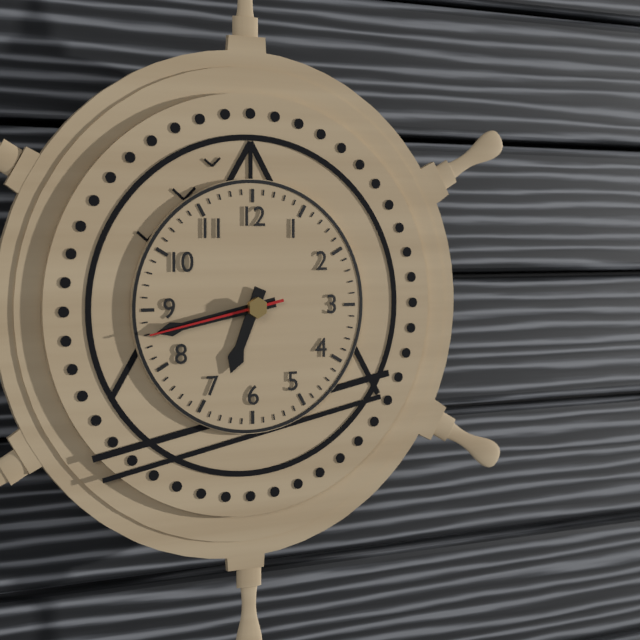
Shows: h=6 m=43 s=43
